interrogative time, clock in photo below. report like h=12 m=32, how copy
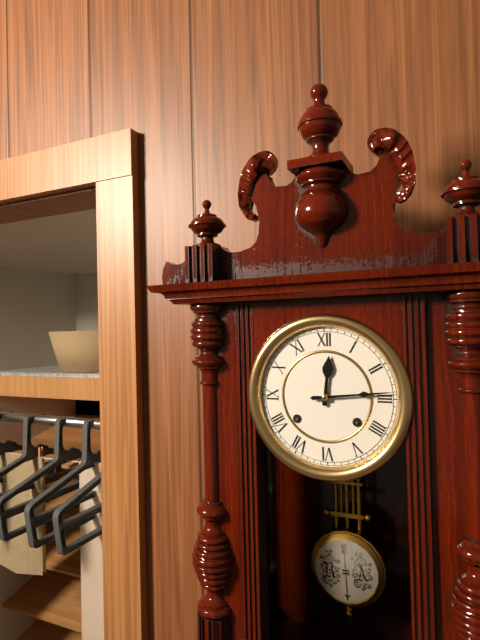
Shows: h=12 m=14
